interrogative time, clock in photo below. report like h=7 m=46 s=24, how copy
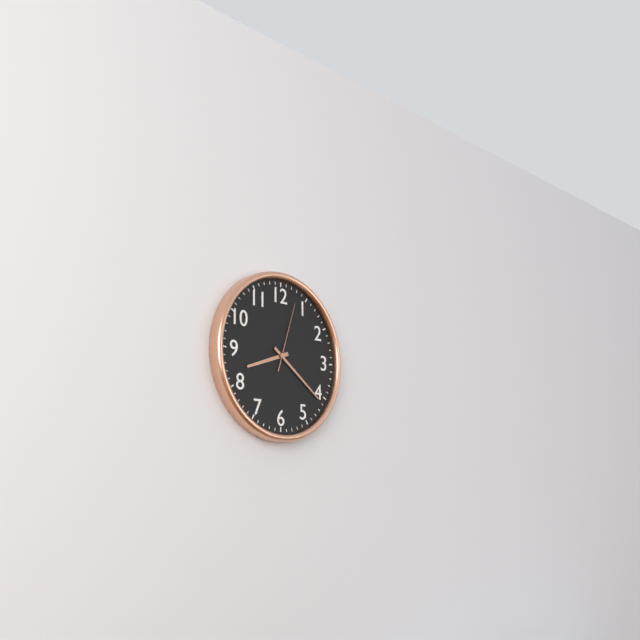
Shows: h=8 m=21 s=3
